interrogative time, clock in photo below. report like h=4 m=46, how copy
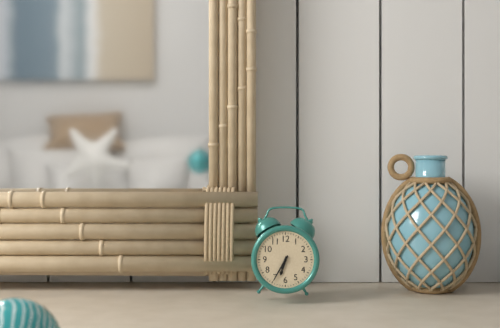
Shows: h=6 m=35
